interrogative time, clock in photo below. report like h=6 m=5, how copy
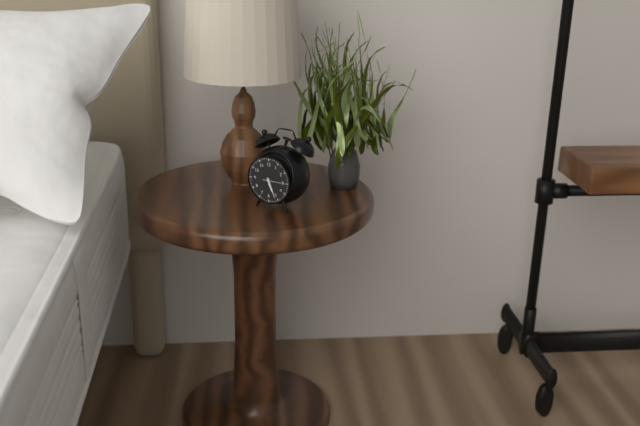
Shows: h=5 m=26
